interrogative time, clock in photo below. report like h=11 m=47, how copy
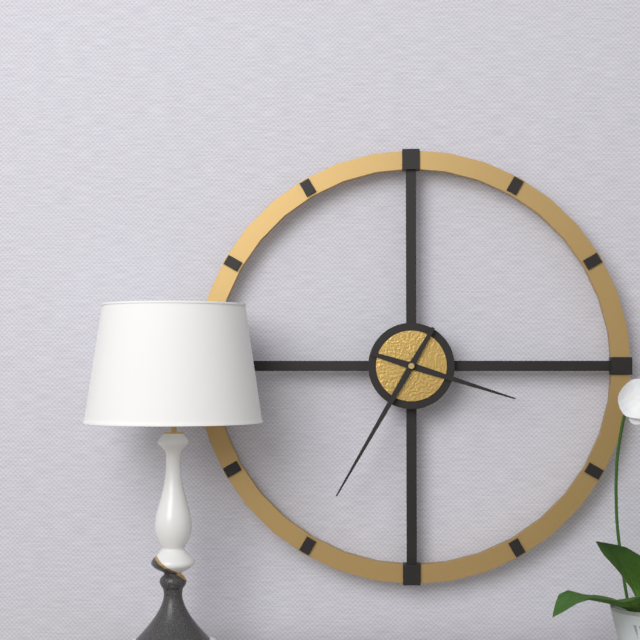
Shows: h=3 m=35
